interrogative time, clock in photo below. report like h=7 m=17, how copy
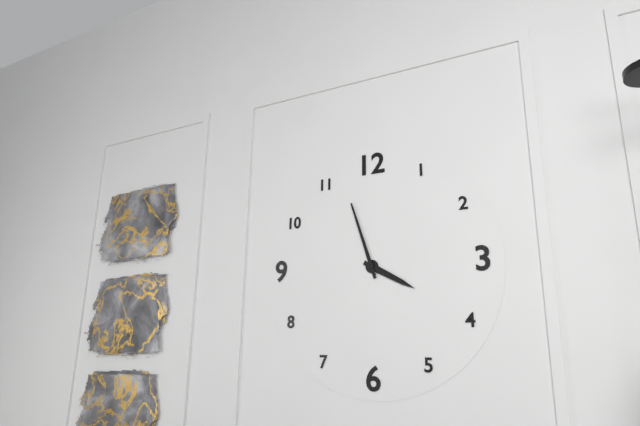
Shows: h=3 m=57
